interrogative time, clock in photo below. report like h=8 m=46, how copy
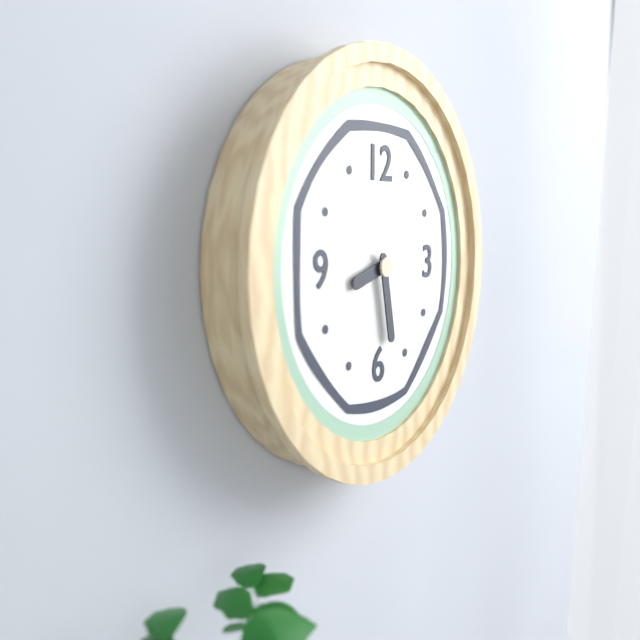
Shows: h=8 m=28
